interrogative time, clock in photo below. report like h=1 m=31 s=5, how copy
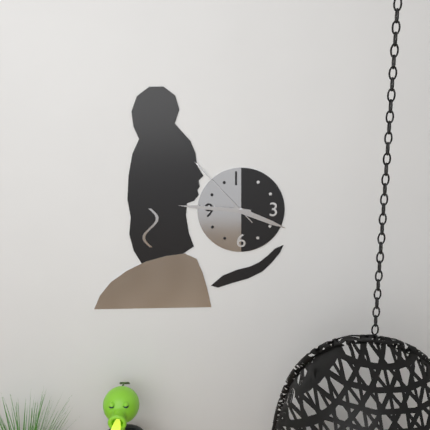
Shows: h=3 m=46 s=53
